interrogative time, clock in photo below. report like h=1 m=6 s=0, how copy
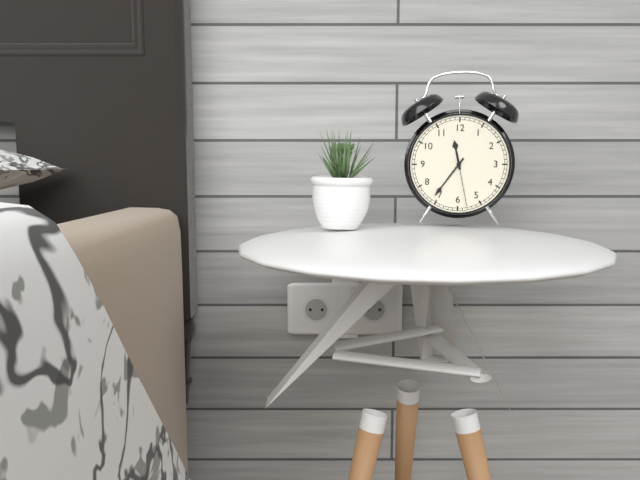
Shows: h=11 m=36 s=28
